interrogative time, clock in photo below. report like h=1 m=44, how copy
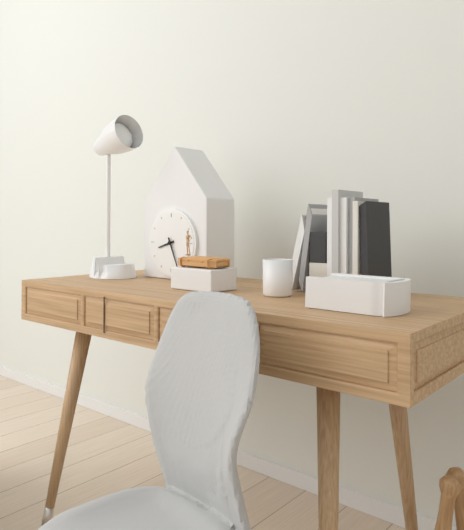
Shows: h=8 m=26
